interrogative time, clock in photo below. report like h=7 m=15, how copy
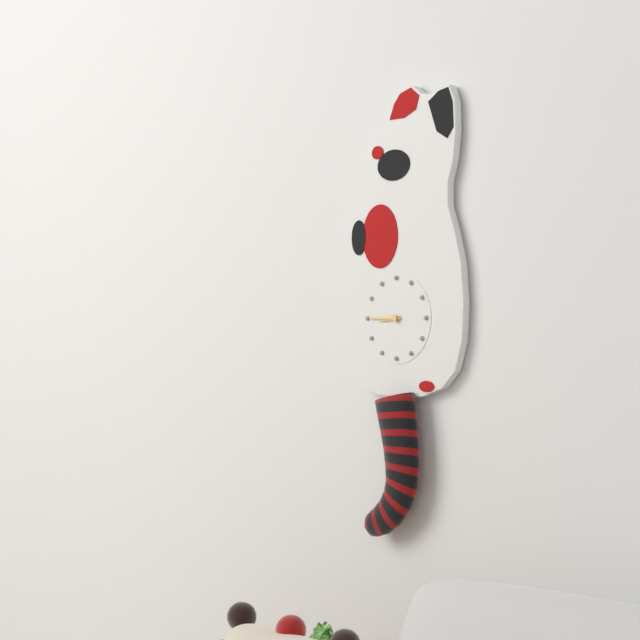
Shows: h=8 m=45
